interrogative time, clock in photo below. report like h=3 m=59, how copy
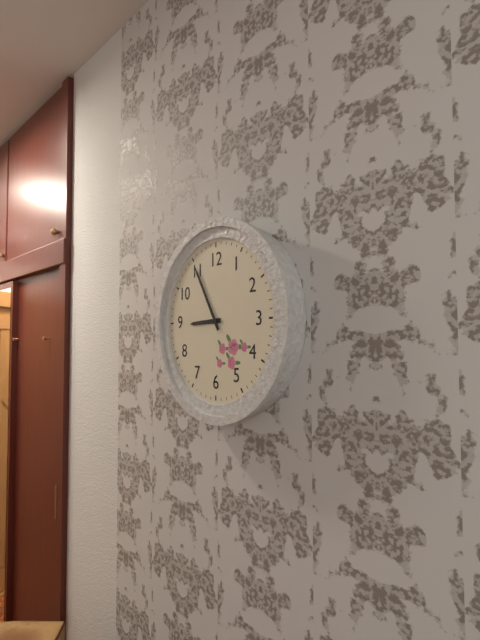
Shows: h=8 m=55
